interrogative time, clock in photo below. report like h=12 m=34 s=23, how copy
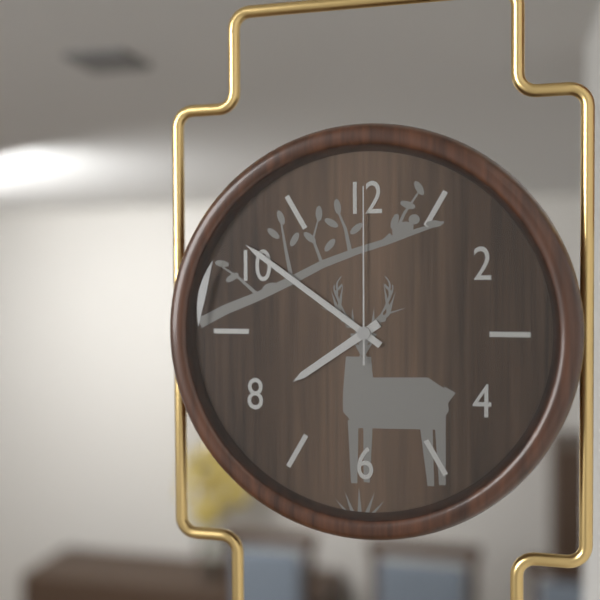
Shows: h=7 m=51 s=0
